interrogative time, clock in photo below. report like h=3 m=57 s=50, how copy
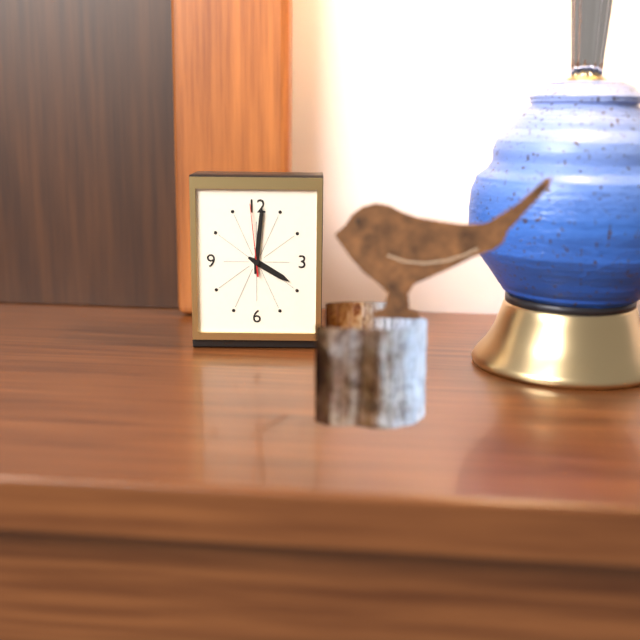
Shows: h=4 m=1 s=59
